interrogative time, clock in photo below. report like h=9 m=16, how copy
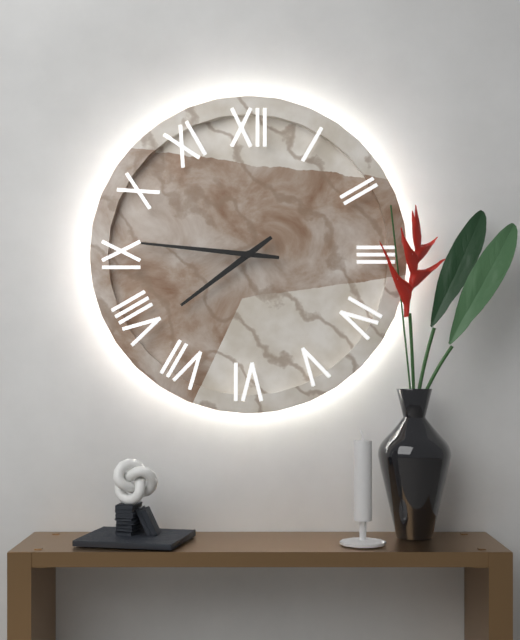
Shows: h=7 m=46
